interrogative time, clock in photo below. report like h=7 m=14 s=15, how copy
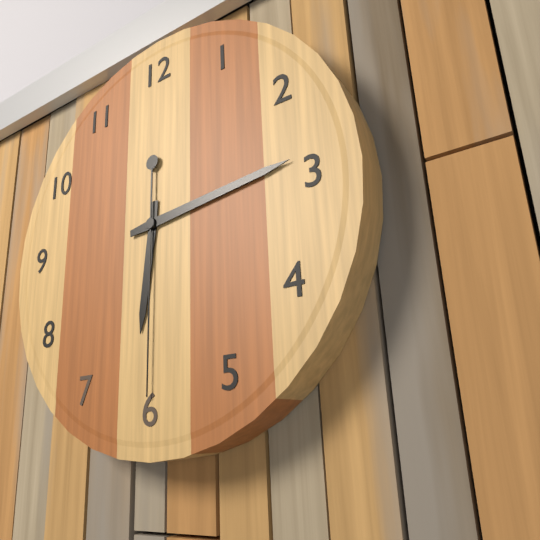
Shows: h=6 m=14 s=30
